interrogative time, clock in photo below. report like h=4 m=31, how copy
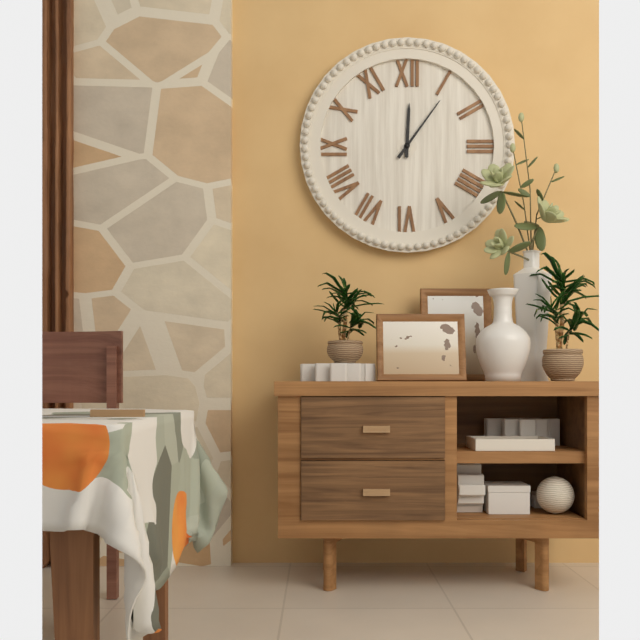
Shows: h=12 m=6
